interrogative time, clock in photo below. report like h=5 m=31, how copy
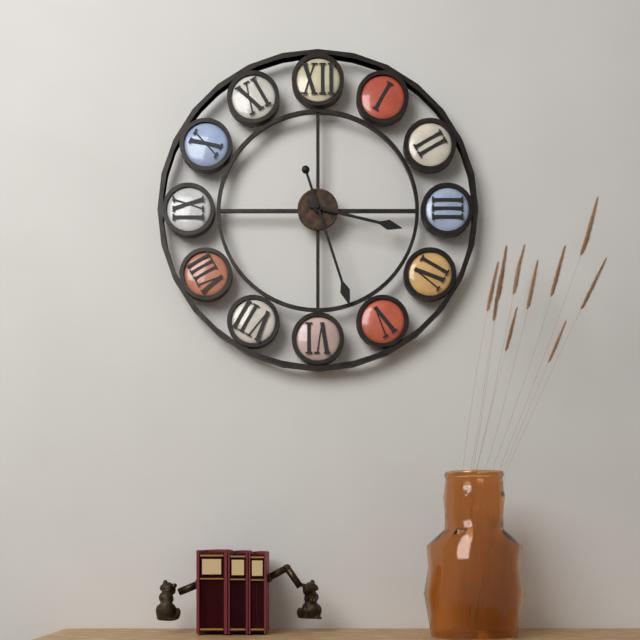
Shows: h=3 m=27
